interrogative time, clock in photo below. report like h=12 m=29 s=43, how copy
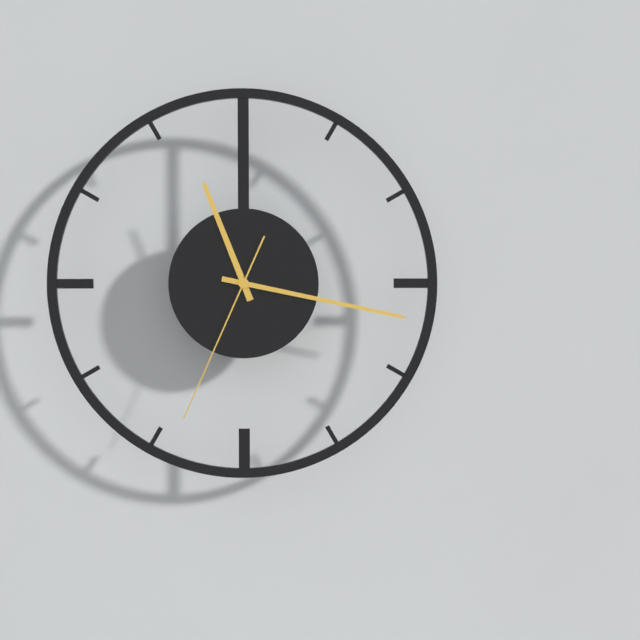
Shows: h=11 m=17 s=34
